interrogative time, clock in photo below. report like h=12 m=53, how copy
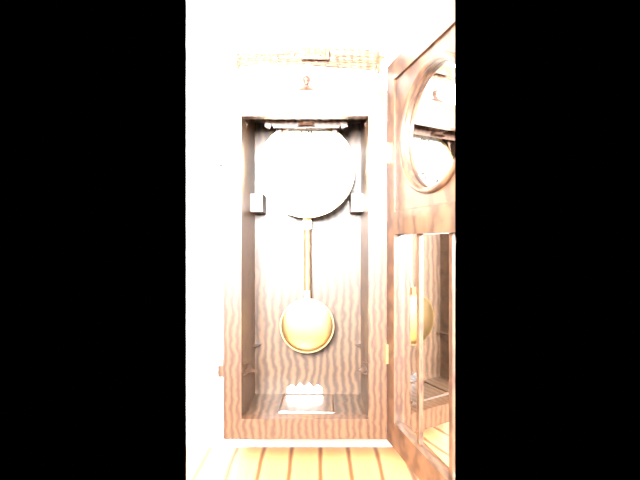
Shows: h=6 m=14
